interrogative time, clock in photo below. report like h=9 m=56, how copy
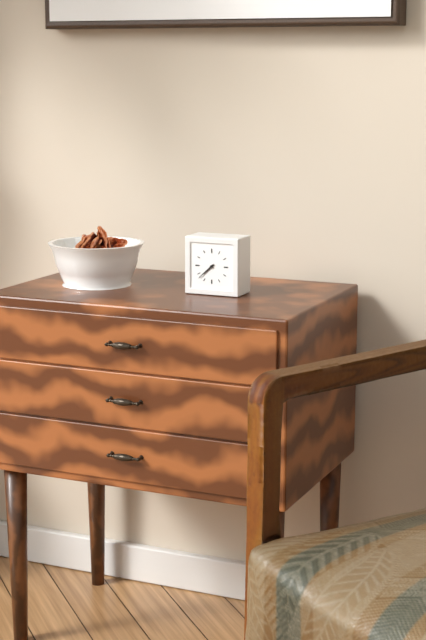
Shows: h=7 m=38
